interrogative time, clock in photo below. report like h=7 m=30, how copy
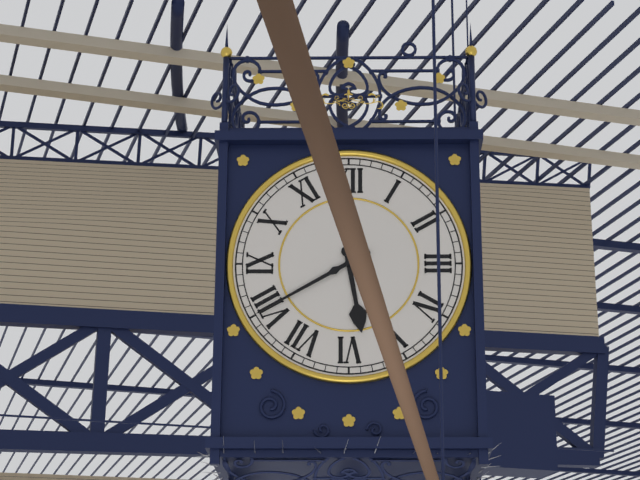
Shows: h=5 m=40
